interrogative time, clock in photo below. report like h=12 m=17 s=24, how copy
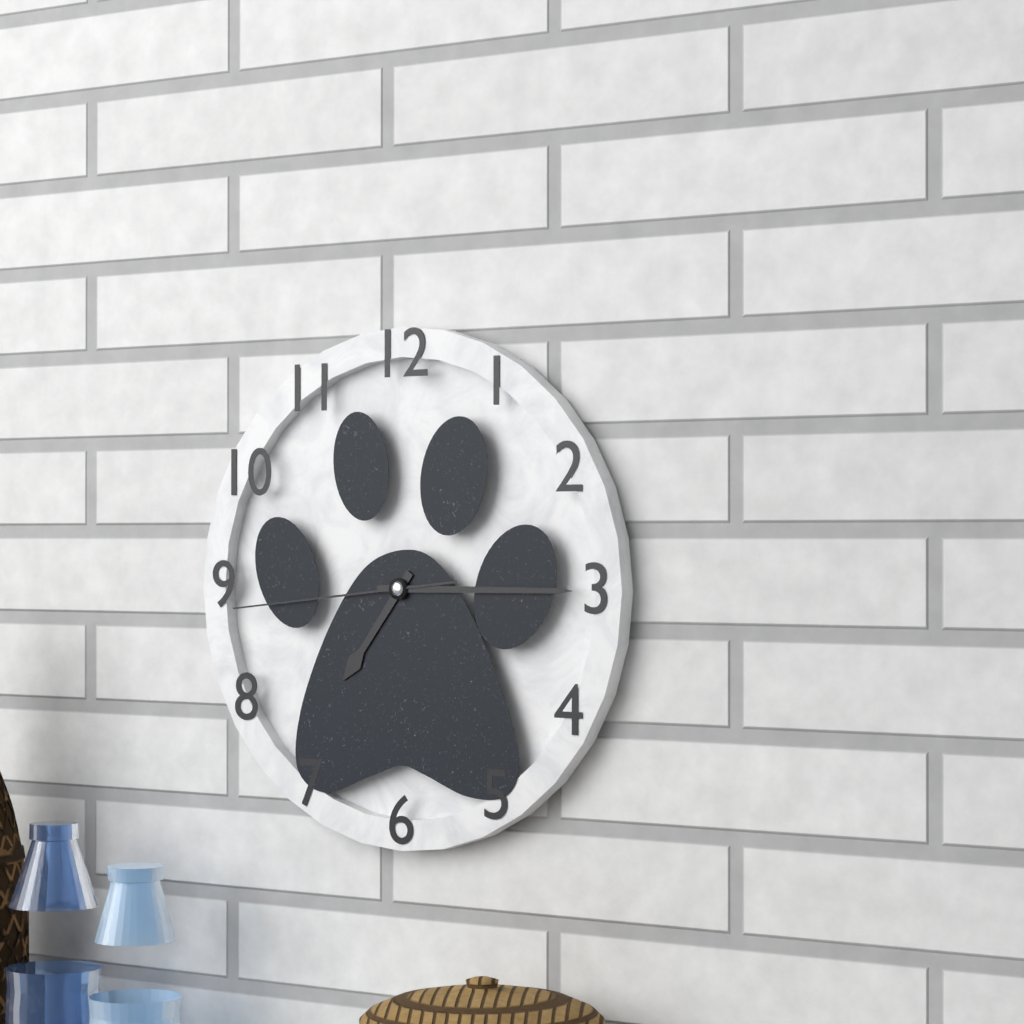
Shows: h=7 m=15 s=44
